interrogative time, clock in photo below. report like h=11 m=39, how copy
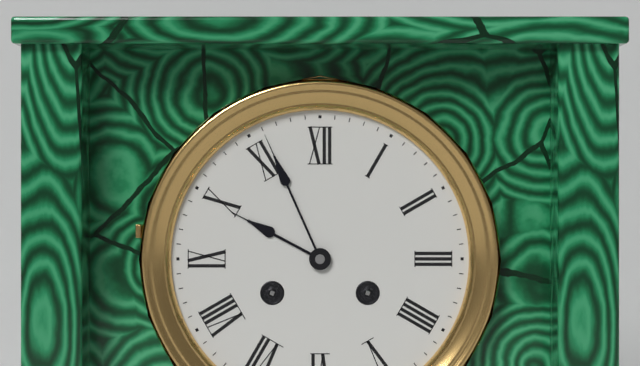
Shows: h=9 m=56
